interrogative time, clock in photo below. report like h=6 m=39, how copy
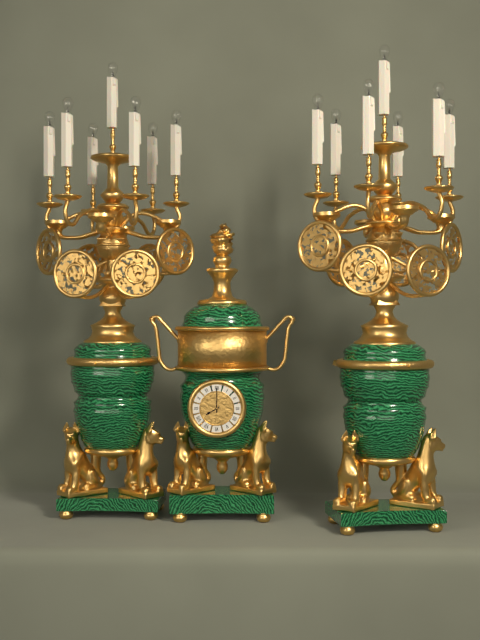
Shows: h=8 m=0
